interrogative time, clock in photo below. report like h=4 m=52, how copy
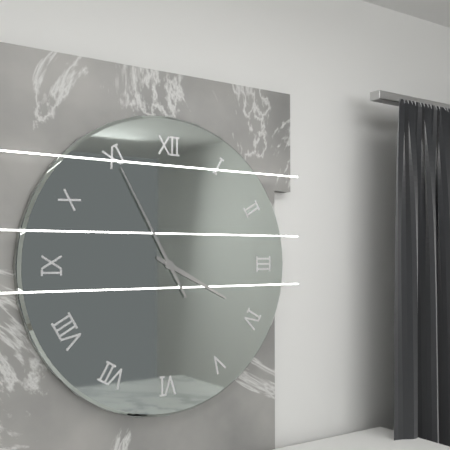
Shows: h=3 m=55
